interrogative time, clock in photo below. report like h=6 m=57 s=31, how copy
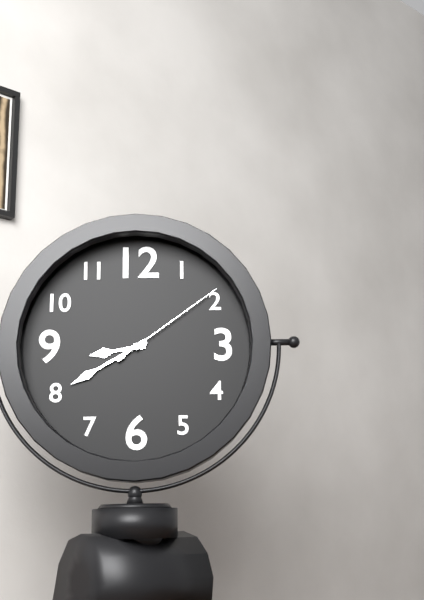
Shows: h=8 m=40 s=9
